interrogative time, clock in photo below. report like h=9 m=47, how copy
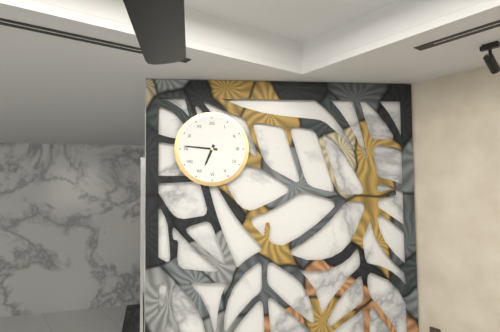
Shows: h=6 m=46
